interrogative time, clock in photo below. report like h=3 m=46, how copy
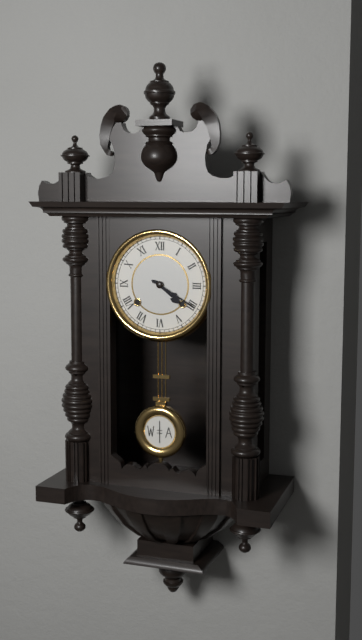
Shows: h=4 m=20
